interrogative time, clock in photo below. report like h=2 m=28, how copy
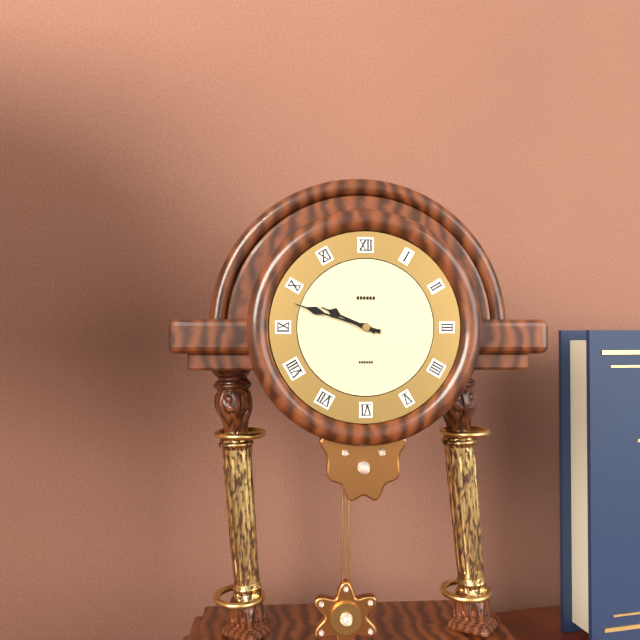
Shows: h=9 m=48
